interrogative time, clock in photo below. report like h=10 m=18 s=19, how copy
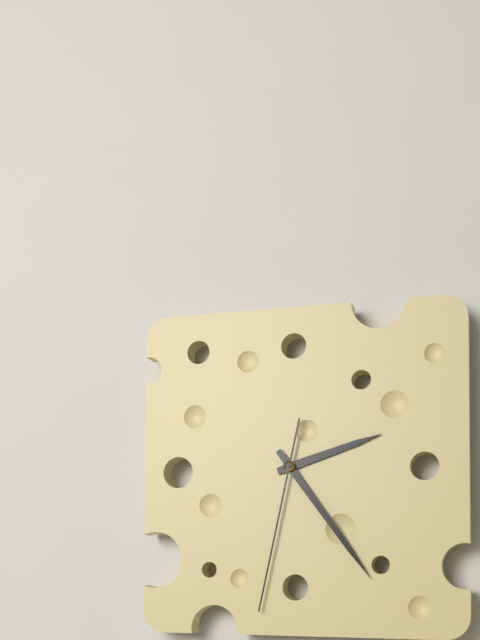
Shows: h=2 m=24 s=32
